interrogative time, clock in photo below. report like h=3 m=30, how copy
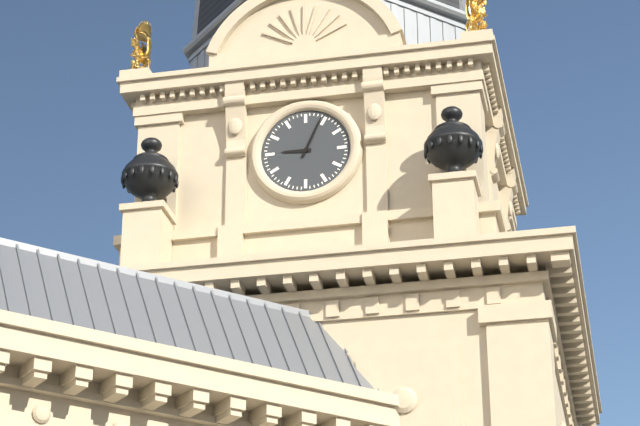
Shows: h=9 m=4
